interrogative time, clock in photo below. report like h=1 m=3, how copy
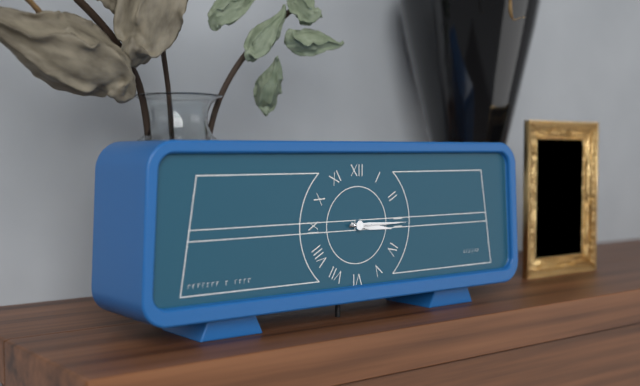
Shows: h=3 m=15
